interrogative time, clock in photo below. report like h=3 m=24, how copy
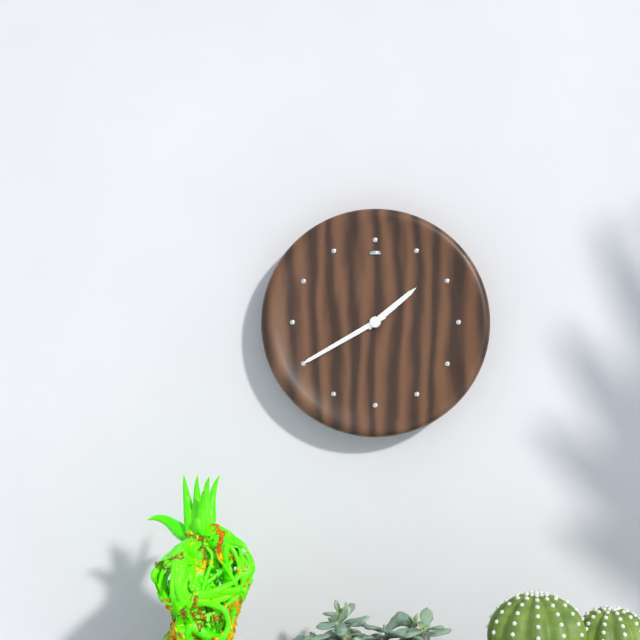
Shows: h=1 m=40
